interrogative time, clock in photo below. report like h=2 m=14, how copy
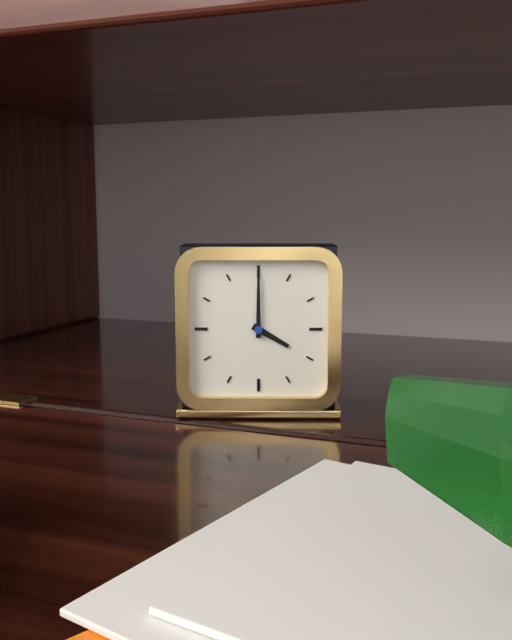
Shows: h=4 m=0
